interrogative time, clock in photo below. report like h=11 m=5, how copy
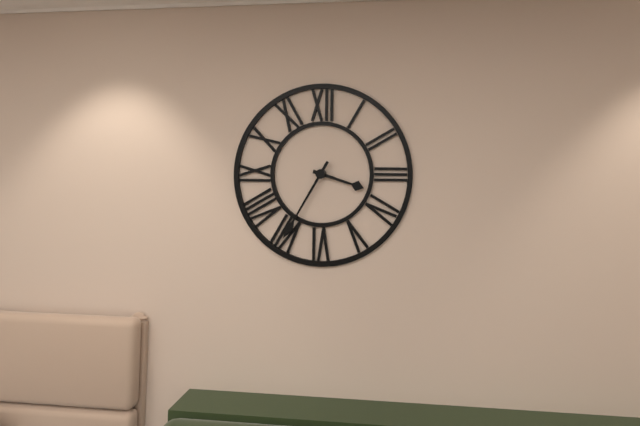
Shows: h=3 m=35
